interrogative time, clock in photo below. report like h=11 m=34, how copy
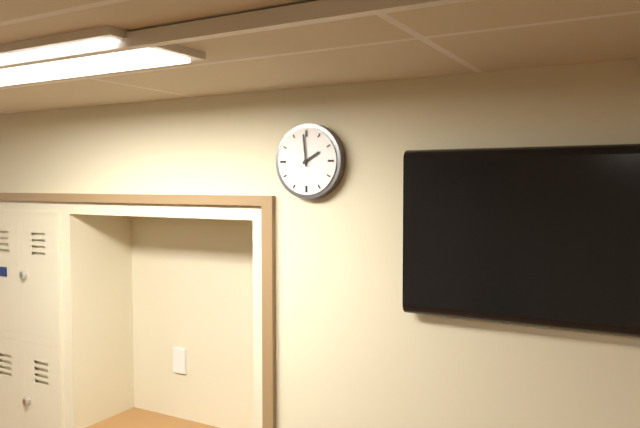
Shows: h=1 m=59
